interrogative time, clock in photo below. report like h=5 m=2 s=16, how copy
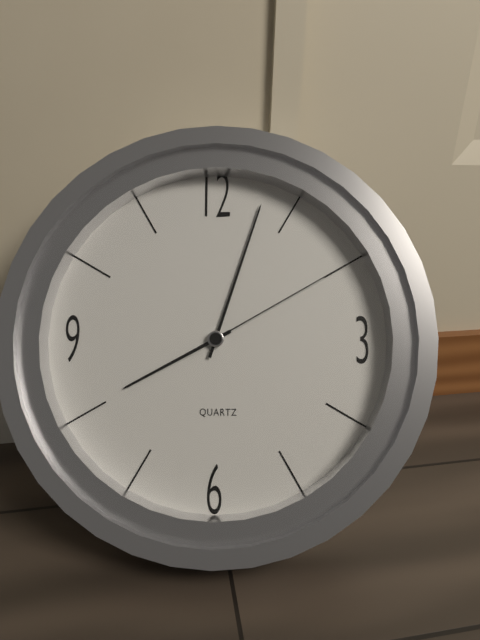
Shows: h=8 m=3 s=10
